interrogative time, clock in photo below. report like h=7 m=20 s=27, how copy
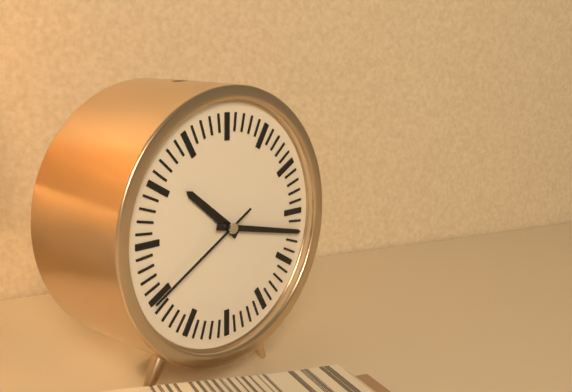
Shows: h=10 m=17 s=40
